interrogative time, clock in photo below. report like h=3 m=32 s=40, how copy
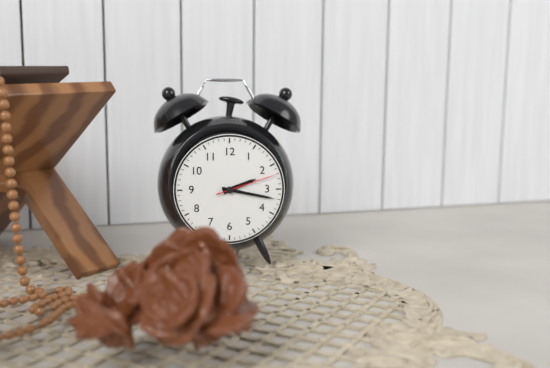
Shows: h=2 m=17 s=12
